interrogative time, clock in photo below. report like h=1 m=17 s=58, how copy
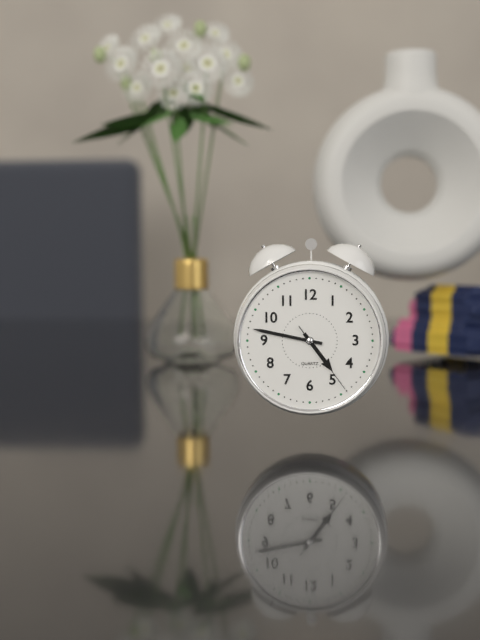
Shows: h=4 m=47 s=24
